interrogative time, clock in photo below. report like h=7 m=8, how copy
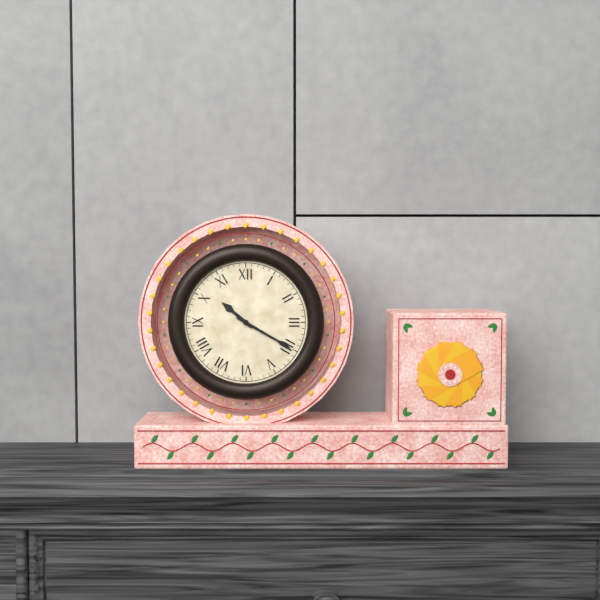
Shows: h=10 m=20
